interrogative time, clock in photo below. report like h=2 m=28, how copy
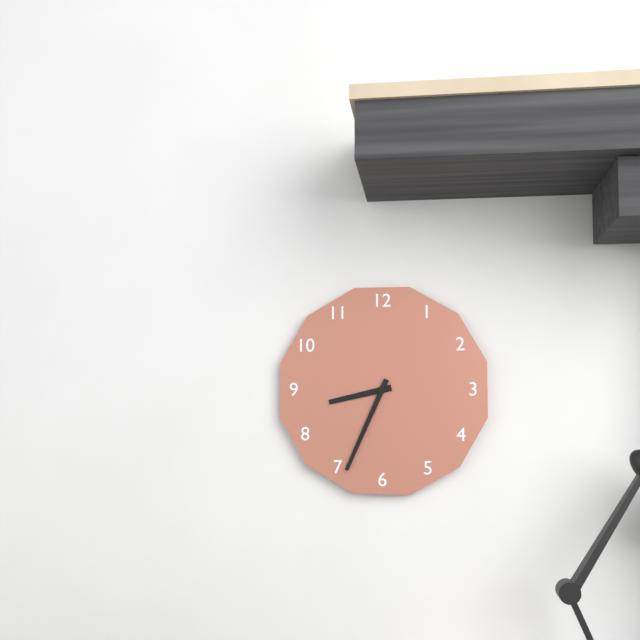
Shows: h=8 m=34
